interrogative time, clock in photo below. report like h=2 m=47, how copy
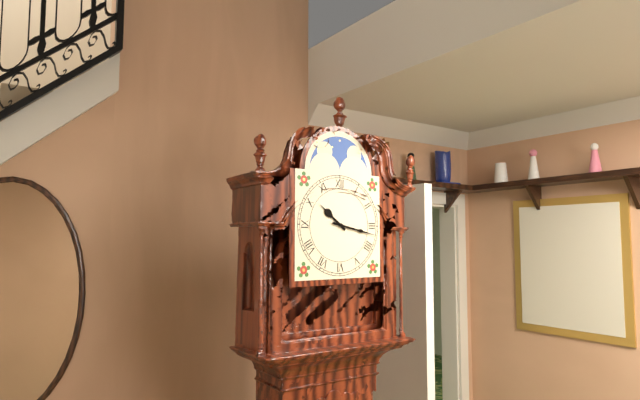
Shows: h=10 m=17
